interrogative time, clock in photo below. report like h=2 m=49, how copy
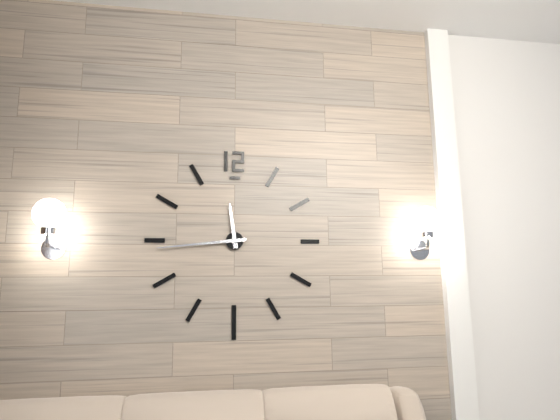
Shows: h=11 m=44
